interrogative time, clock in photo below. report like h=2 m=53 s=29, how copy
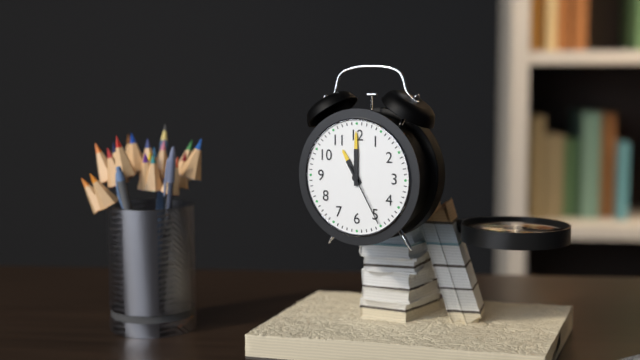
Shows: h=11 m=0 s=25
